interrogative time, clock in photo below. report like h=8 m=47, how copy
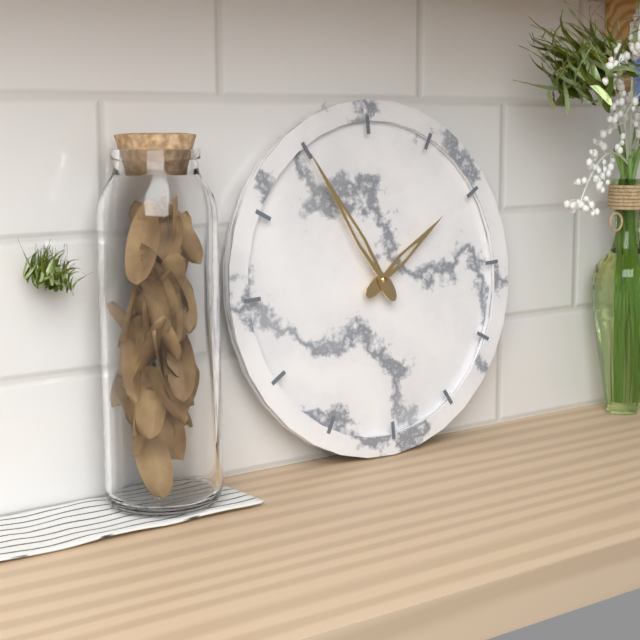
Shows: h=1 m=55
